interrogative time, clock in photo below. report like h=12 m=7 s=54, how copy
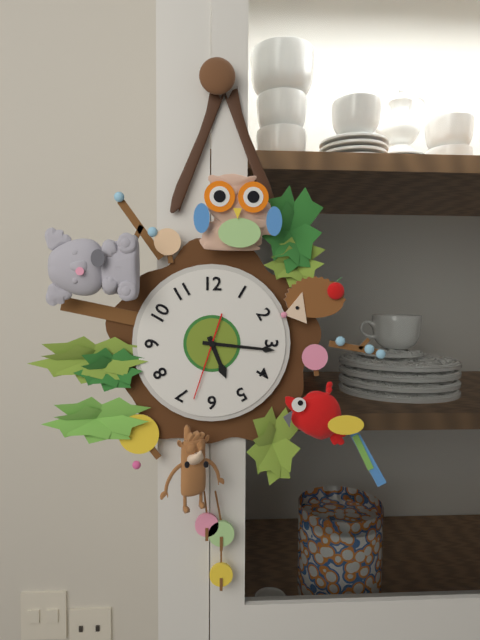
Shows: h=5 m=16 s=33
